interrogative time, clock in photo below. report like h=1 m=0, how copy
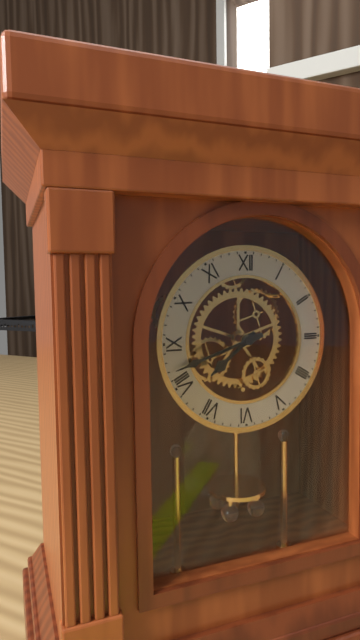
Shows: h=7 m=42
